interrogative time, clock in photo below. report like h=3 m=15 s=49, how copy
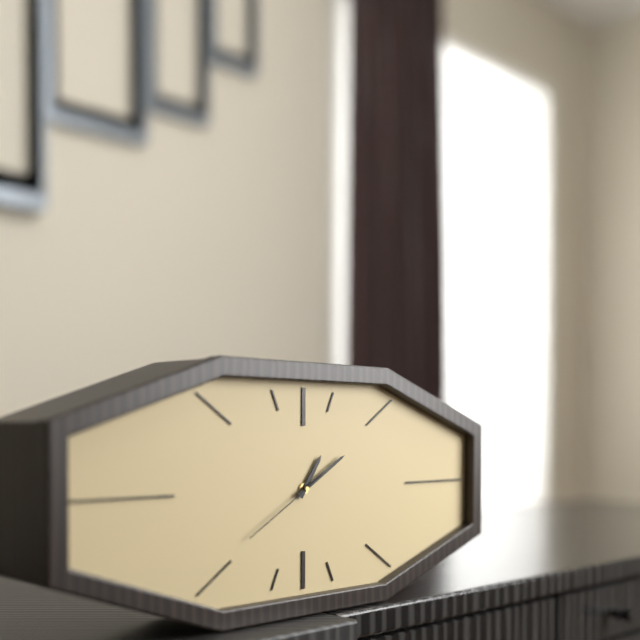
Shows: h=1 m=10 s=40
